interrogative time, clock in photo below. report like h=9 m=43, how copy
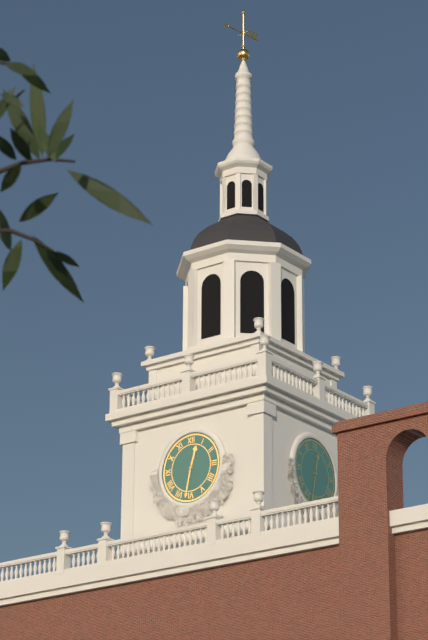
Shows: h=12 m=32
